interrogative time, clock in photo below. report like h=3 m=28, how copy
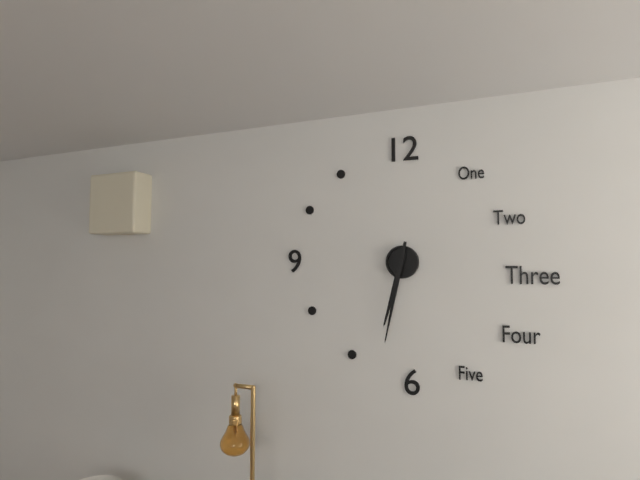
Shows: h=6 m=32
